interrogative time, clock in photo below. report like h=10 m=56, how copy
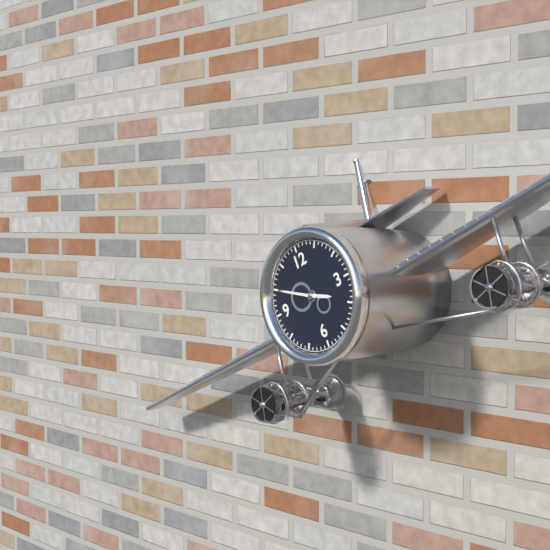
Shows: h=3 m=50
